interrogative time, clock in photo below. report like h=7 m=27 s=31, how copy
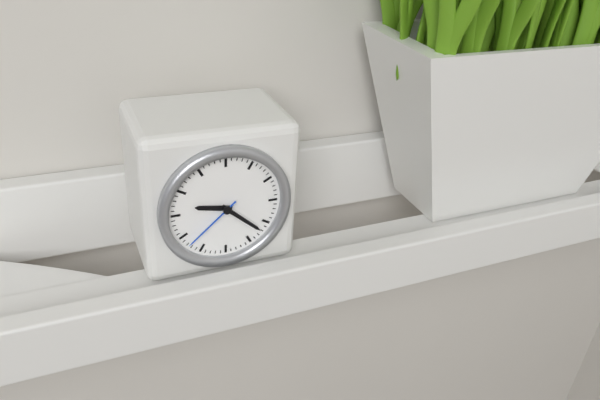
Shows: h=9 m=22 s=38
